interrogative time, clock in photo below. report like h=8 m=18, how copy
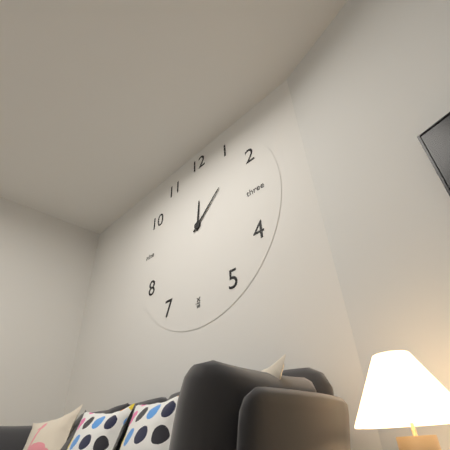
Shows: h=12 m=8
